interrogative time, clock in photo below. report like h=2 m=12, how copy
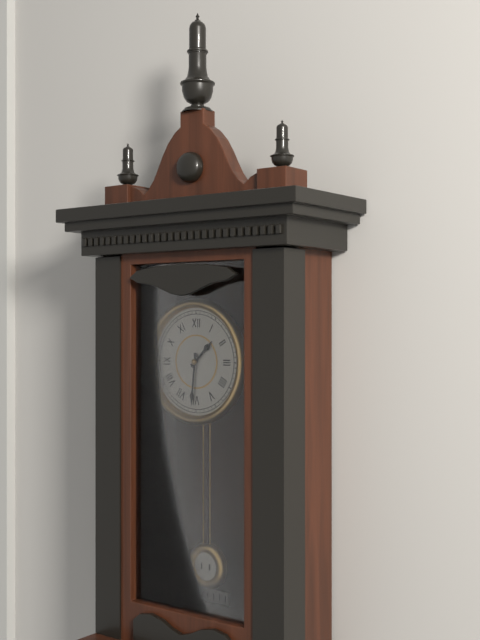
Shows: h=1 m=31
